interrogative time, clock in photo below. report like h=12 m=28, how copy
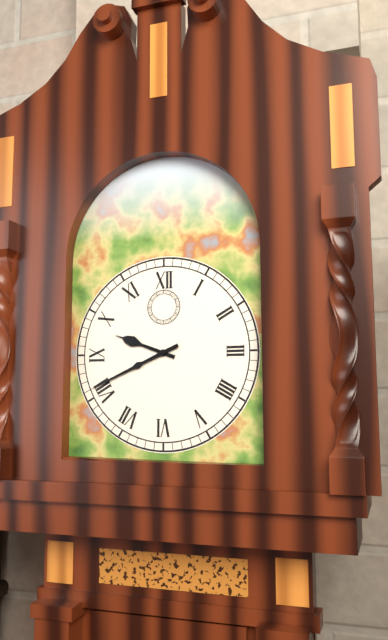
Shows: h=9 m=41
